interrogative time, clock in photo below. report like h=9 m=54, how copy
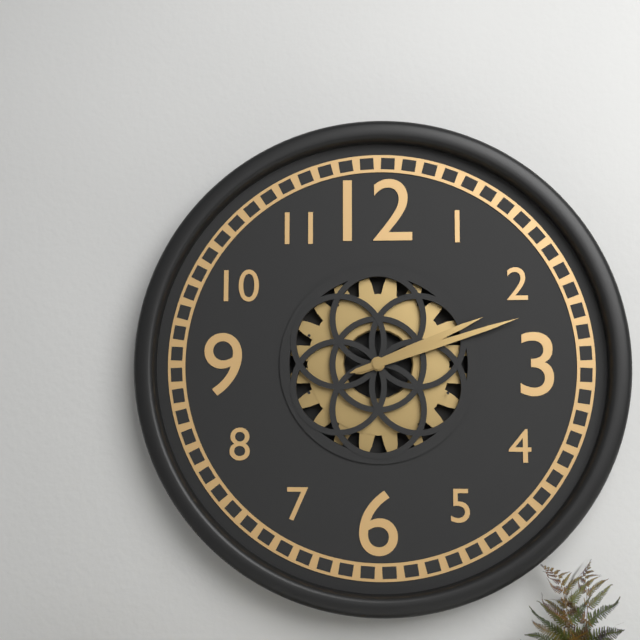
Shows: h=2 m=12
